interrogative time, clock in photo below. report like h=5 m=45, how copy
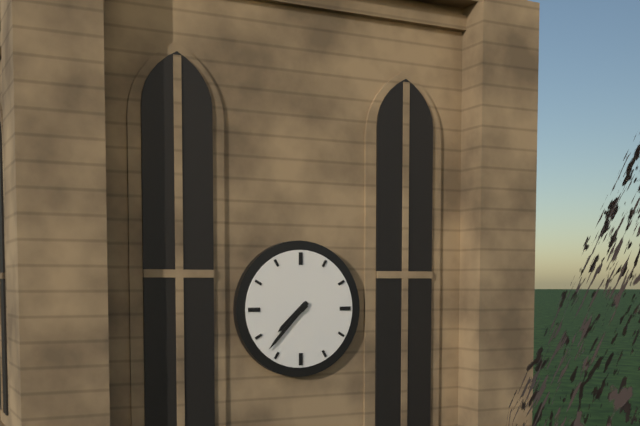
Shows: h=7 m=37
